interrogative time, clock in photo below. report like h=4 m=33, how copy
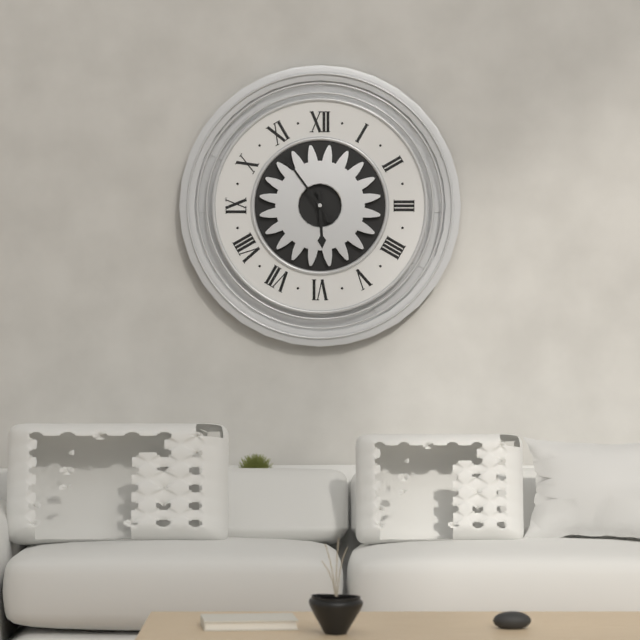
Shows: h=5 m=54
